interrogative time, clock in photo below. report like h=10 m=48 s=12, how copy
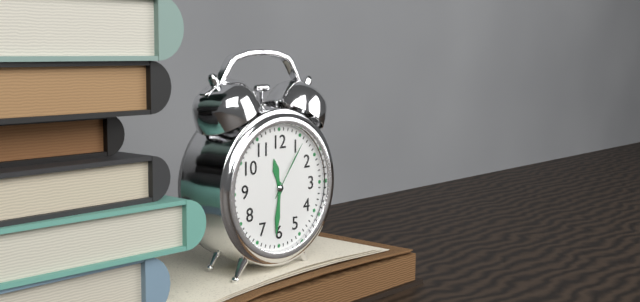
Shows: h=11 m=31 s=6
